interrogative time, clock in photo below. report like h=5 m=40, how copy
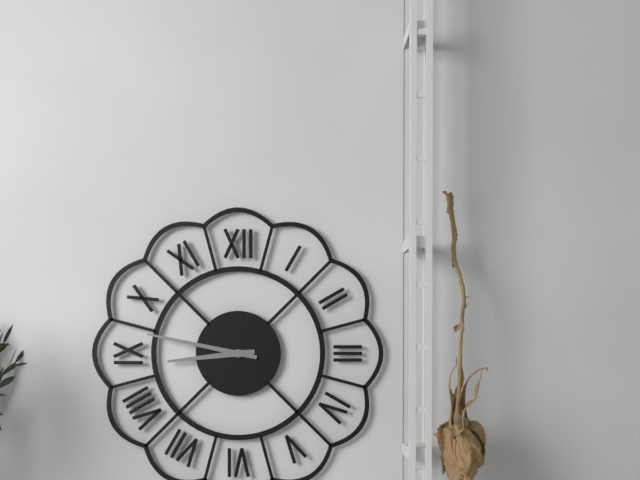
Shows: h=8 m=47
